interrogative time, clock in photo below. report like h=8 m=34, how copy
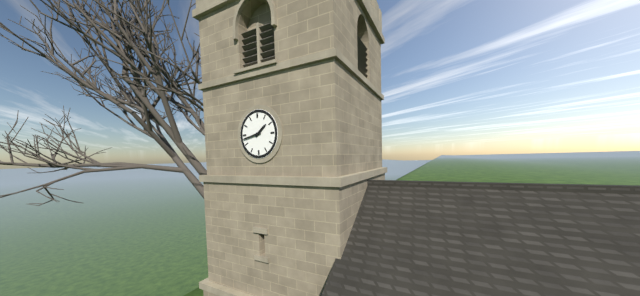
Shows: h=1 m=43
